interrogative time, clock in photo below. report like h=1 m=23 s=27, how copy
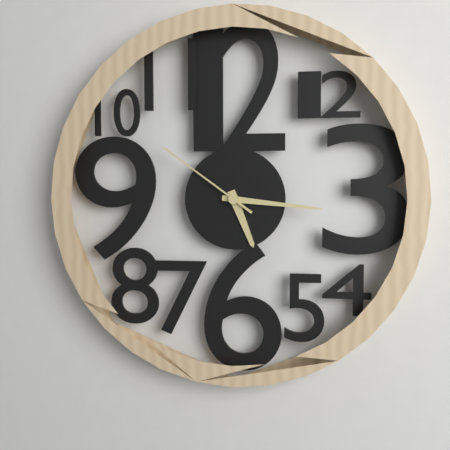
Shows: h=5 m=16 s=51
